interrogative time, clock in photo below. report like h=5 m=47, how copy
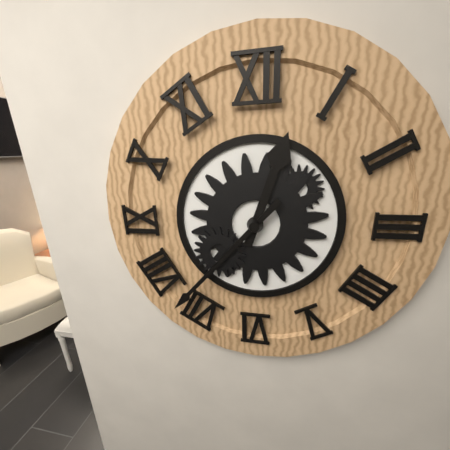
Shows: h=12 m=37
